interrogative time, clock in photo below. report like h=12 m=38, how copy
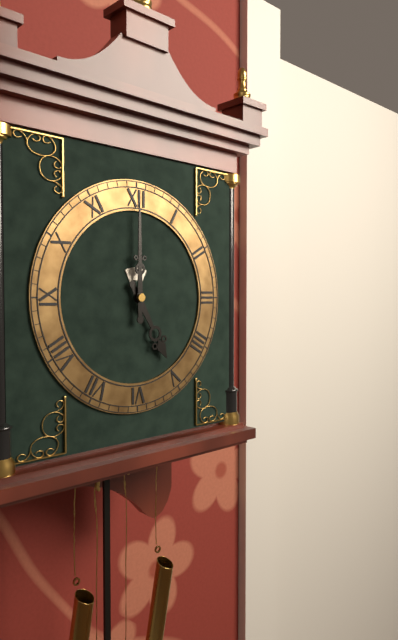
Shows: h=5 m=0
